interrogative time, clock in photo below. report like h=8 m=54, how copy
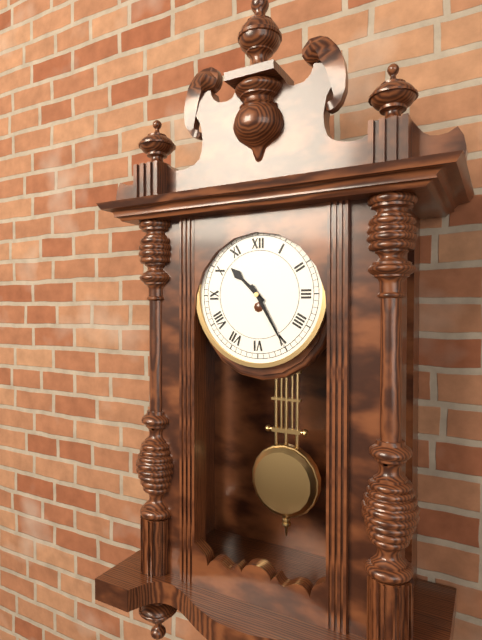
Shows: h=10 m=25
